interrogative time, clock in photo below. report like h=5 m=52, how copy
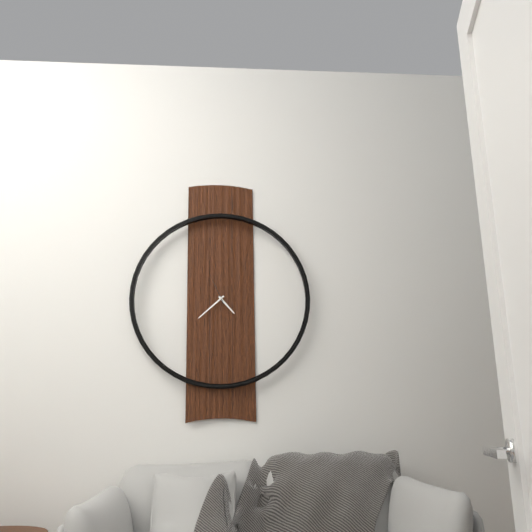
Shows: h=4 m=38
